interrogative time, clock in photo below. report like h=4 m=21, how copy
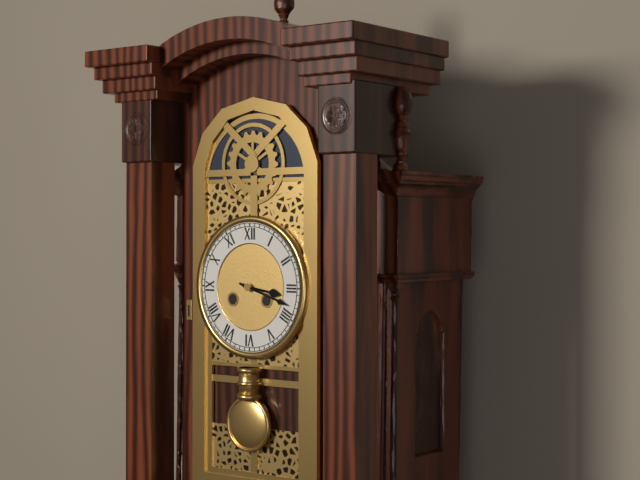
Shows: h=3 m=18
